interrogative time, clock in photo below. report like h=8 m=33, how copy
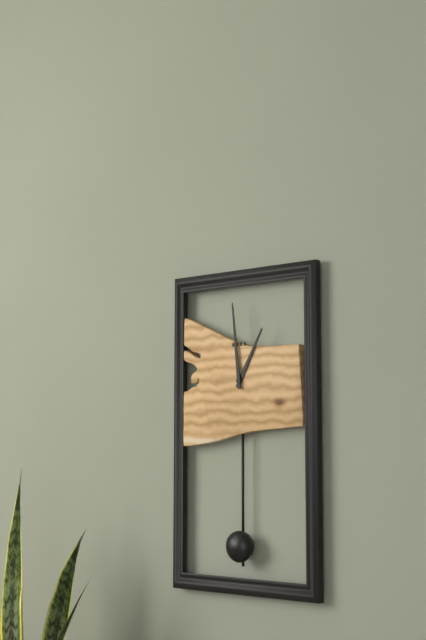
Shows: h=12 m=59
